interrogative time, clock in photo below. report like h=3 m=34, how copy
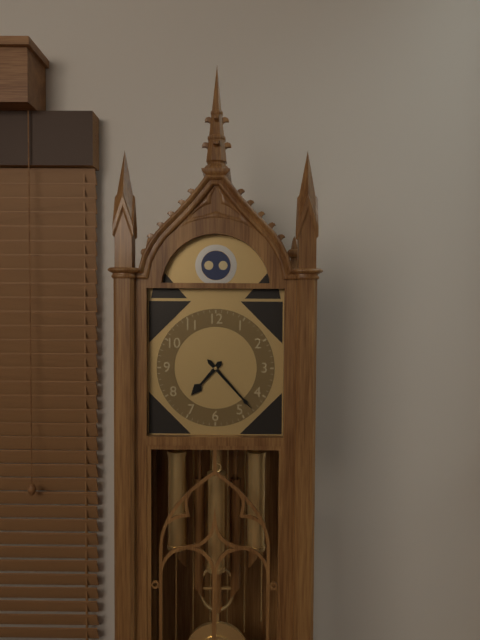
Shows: h=7 m=23
